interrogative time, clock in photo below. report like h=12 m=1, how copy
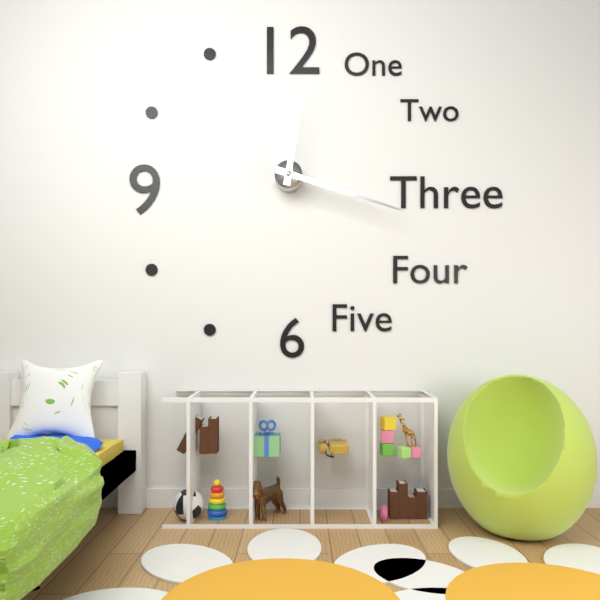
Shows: h=12 m=18
